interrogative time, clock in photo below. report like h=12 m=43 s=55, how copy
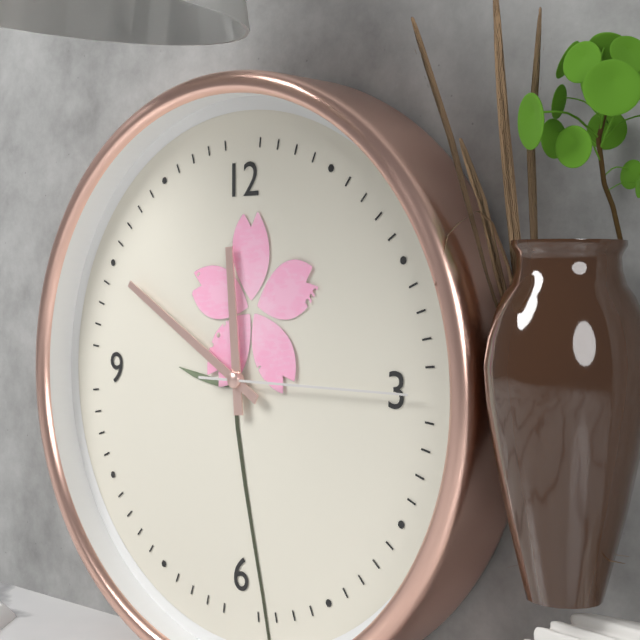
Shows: h=11 m=50 s=15
